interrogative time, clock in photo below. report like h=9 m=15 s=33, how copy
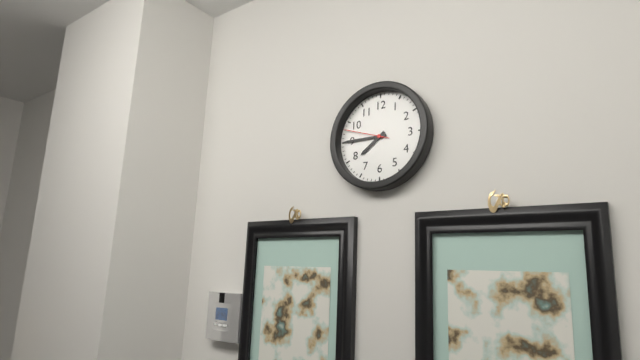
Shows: h=7 m=45 s=48
